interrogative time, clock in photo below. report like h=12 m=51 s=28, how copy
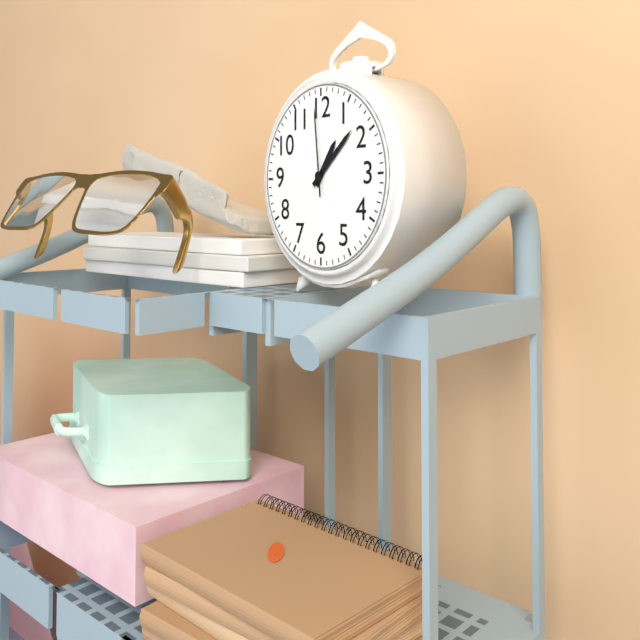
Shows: h=1 m=8 s=59
